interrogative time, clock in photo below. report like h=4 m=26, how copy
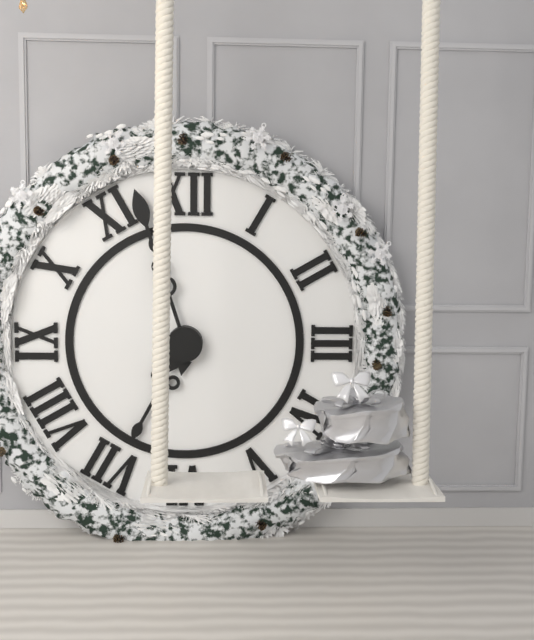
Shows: h=6 m=57
